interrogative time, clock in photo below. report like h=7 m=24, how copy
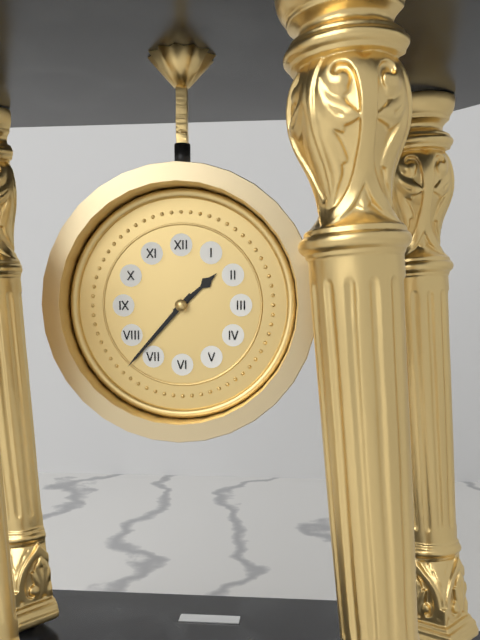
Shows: h=1 m=37
